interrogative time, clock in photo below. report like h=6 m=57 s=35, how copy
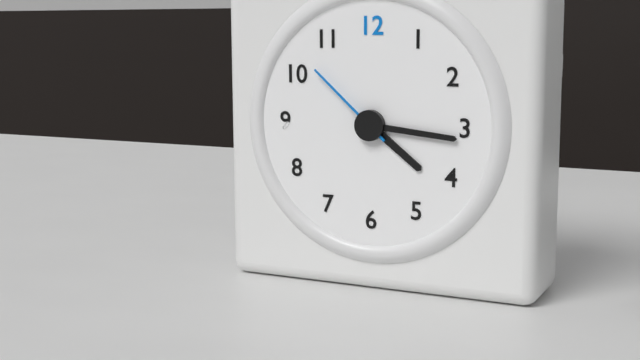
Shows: h=4 m=16 s=52
